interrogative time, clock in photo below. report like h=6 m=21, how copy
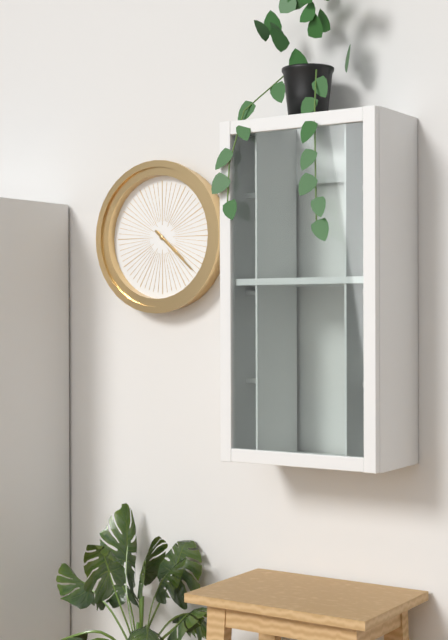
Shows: h=4 m=22
